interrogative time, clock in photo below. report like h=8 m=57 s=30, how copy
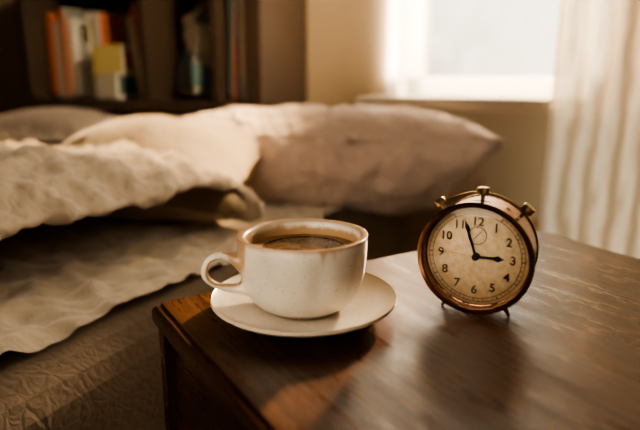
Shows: h=2 m=57 s=46
